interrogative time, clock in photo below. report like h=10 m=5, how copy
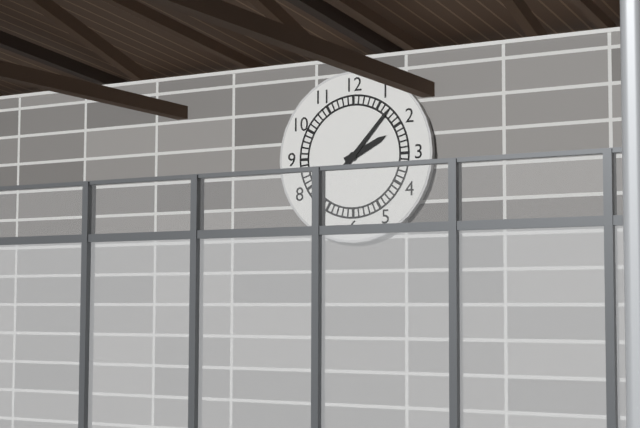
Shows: h=2 m=7
